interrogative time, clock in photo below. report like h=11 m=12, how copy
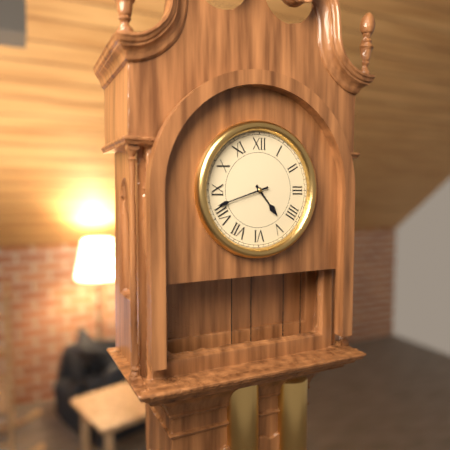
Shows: h=4 m=42
